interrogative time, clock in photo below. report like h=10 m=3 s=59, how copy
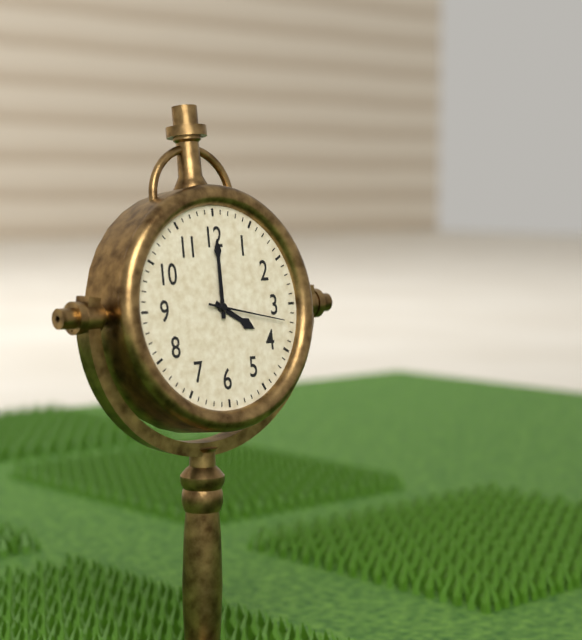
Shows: h=4 m=0 s=17
